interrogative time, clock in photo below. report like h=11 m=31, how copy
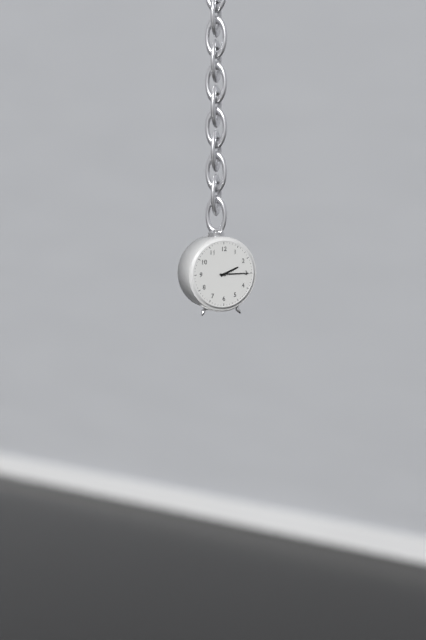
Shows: h=2 m=15
